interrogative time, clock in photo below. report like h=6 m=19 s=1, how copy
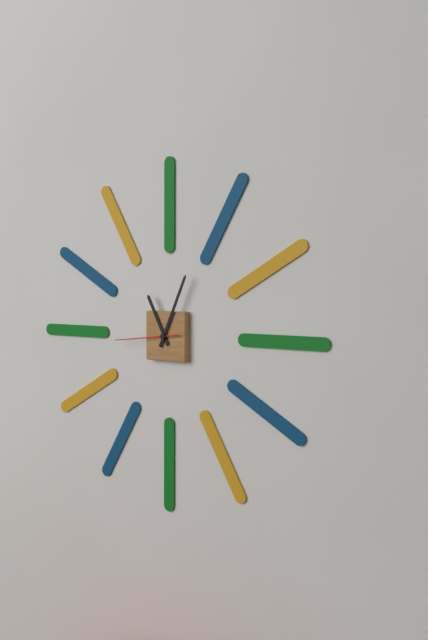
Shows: h=11 m=4 s=44
